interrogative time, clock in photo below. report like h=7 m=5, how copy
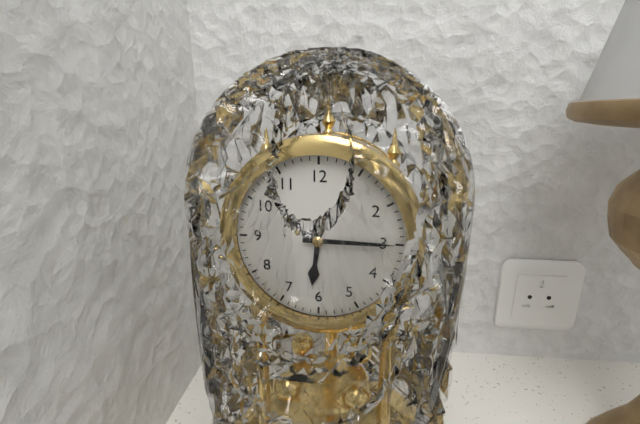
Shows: h=6 m=15
